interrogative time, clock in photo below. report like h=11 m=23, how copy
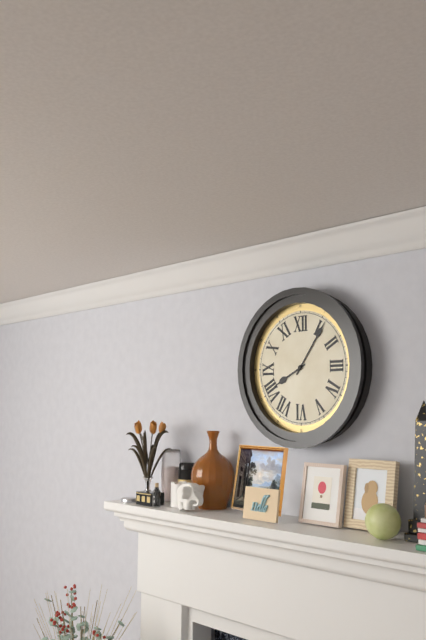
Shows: h=8 m=6
